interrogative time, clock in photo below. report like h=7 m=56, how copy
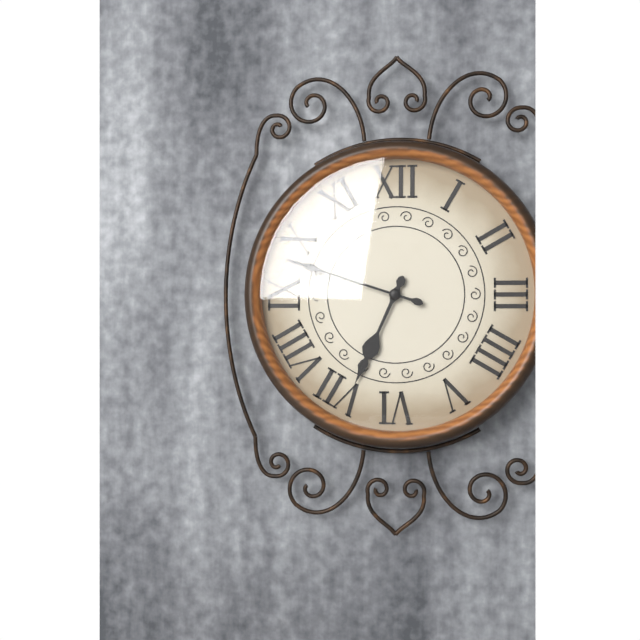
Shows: h=6 m=48
